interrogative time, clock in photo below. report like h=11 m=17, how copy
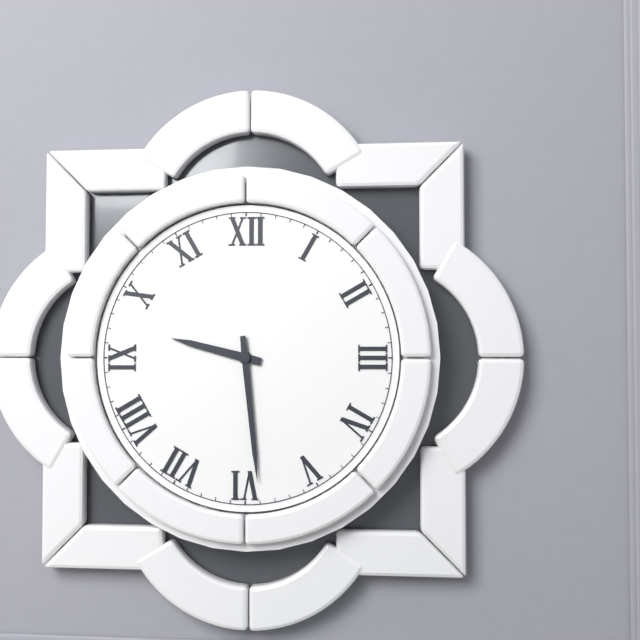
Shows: h=9 m=29
